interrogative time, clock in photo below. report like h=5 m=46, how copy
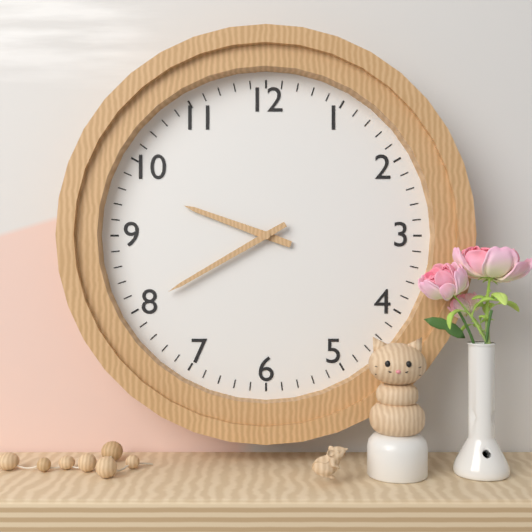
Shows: h=9 m=40
